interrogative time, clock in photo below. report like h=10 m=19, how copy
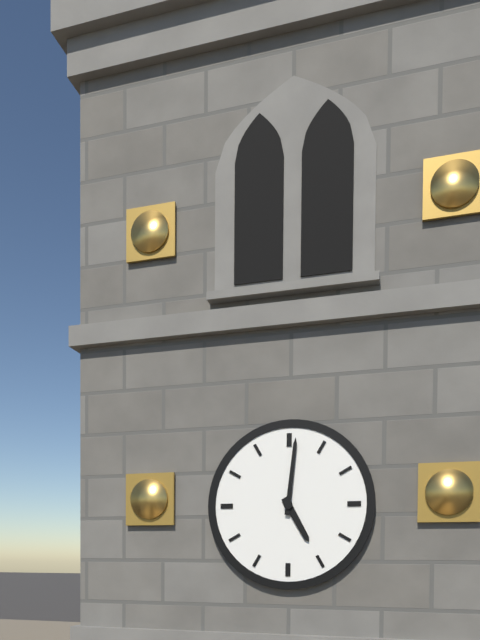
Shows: h=5 m=1
